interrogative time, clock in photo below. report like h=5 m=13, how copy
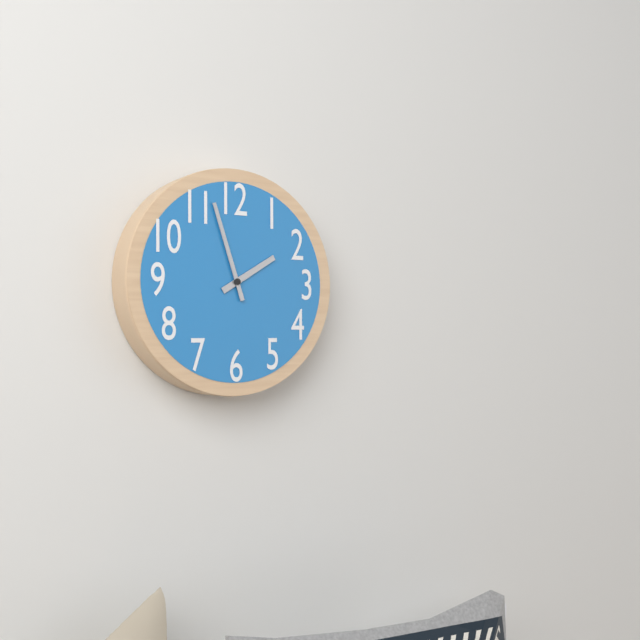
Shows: h=1 m=57
